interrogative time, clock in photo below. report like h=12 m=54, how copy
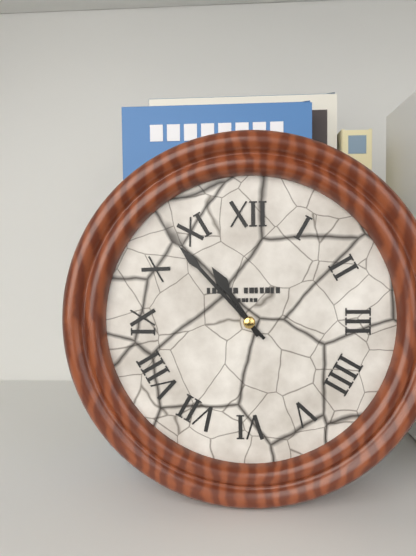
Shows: h=10 m=53
